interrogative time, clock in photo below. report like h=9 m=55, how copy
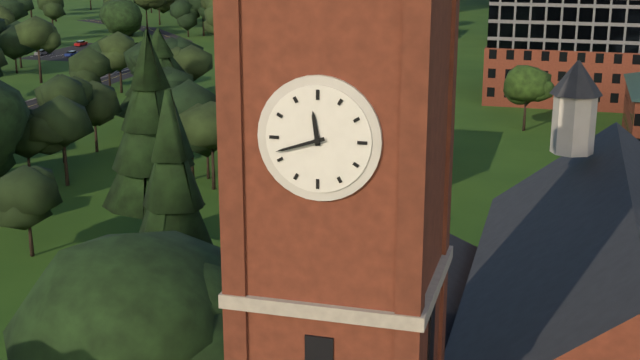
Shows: h=11 m=42
